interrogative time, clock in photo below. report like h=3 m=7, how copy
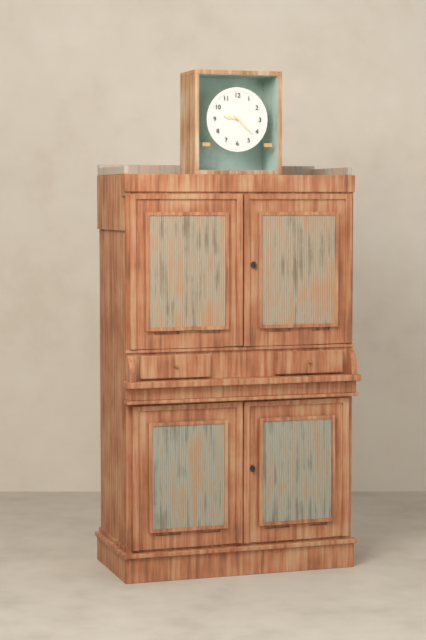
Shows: h=9 m=22
